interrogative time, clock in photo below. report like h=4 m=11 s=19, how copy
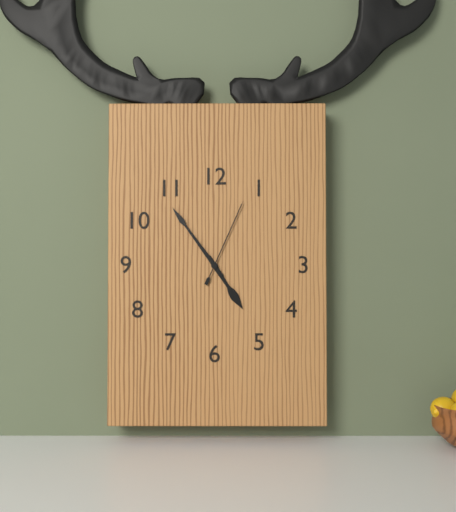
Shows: h=4 m=54 s=4
